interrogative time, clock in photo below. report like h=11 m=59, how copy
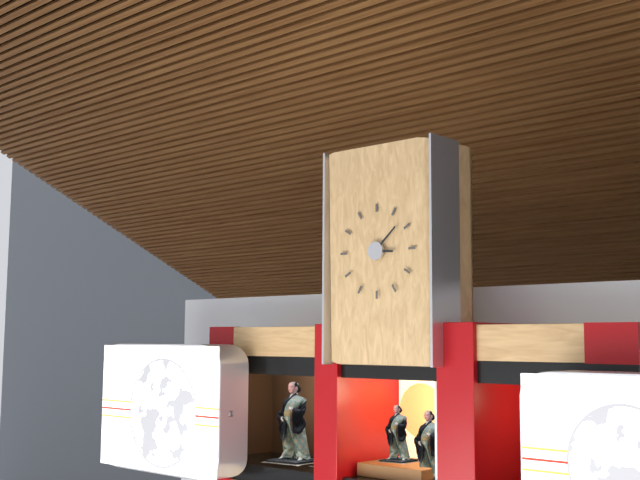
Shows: h=3 m=8
